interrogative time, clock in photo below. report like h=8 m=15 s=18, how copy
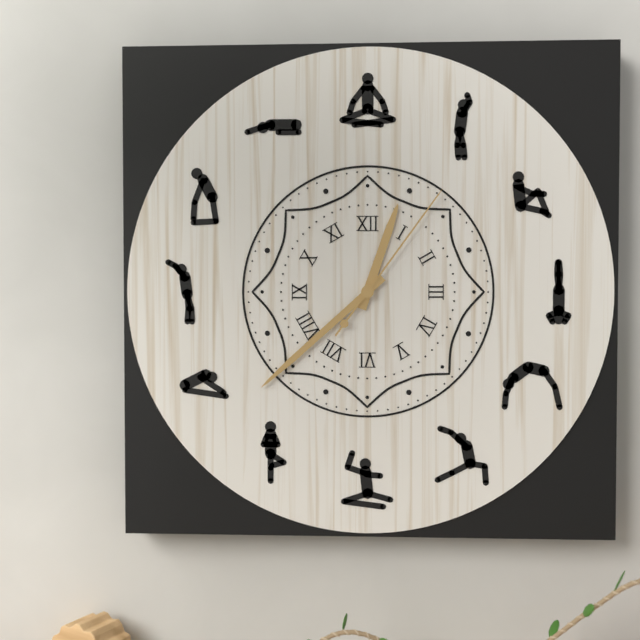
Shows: h=12 m=38 s=6
